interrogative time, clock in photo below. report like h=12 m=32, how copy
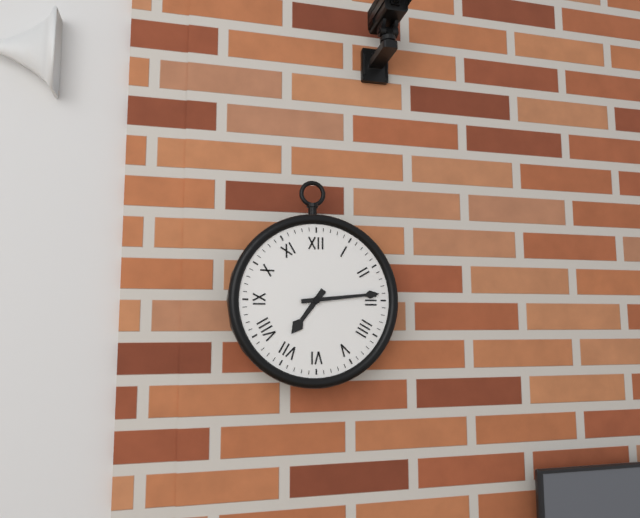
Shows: h=7 m=14
